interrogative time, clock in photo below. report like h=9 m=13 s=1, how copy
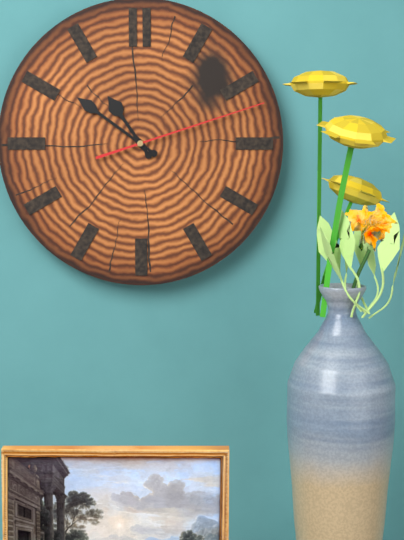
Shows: h=10 m=51 s=12
